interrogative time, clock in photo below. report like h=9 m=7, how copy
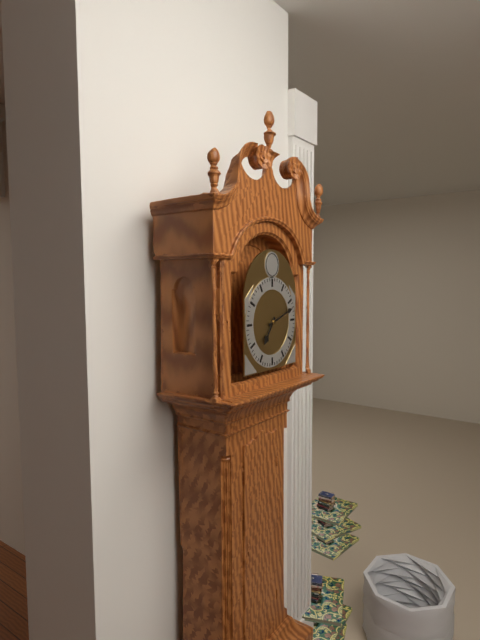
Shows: h=7 m=12
